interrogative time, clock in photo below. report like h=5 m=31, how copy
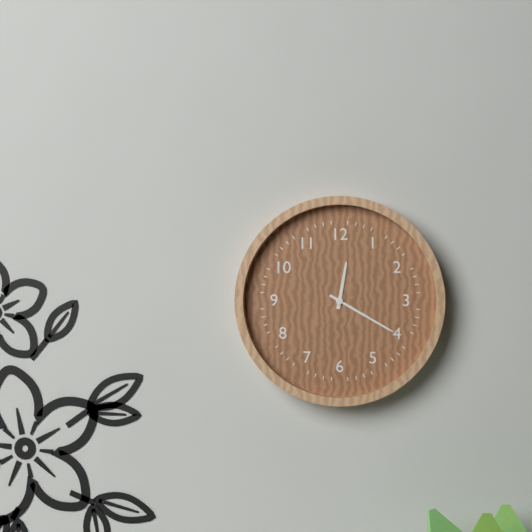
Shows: h=12 m=20
